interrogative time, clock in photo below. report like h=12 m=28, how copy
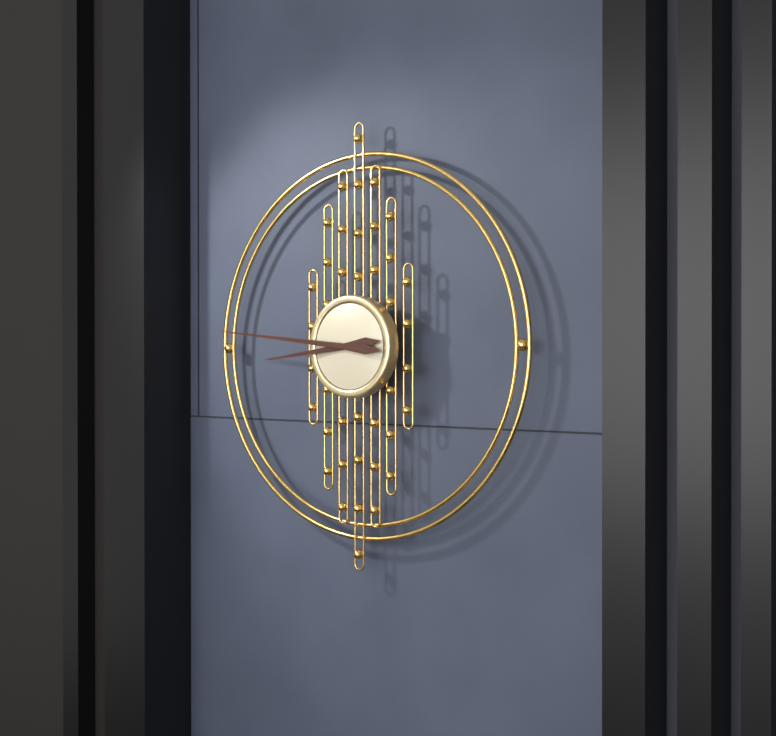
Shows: h=8 m=46
